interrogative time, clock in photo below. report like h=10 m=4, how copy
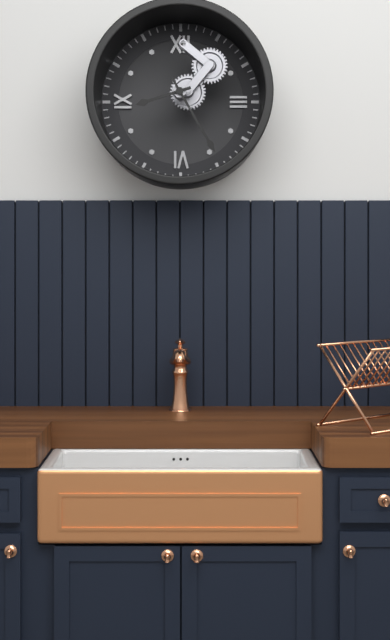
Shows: h=8 m=25
